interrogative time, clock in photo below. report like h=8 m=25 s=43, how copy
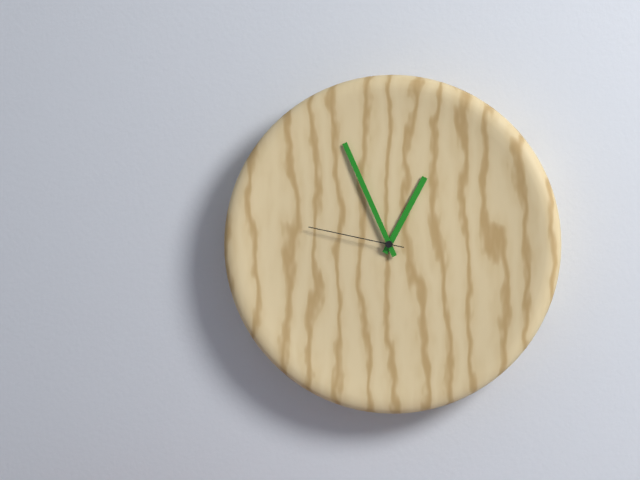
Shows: h=12 m=56 s=47
